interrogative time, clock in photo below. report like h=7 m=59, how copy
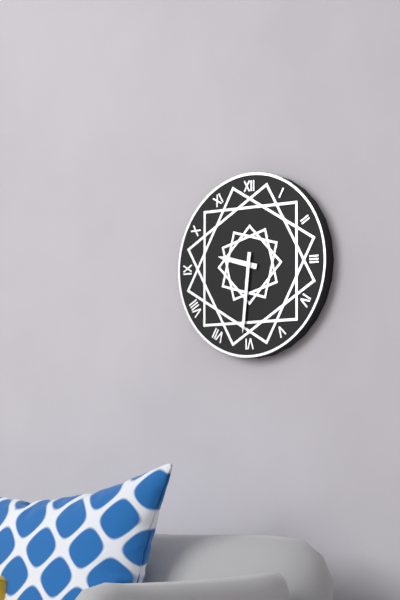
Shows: h=9 m=31
